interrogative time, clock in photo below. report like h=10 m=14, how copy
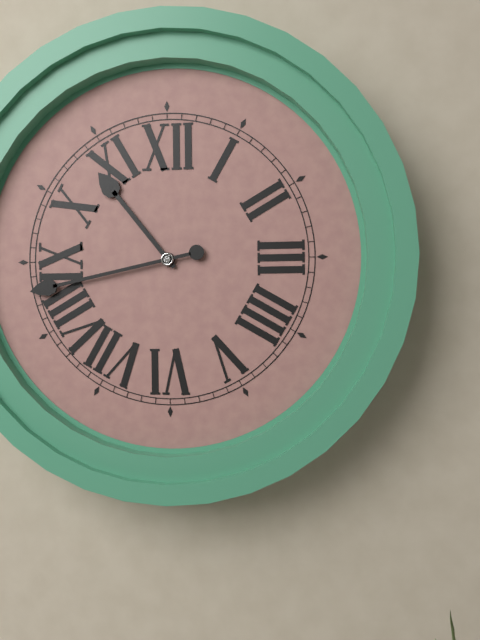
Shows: h=10 m=43
